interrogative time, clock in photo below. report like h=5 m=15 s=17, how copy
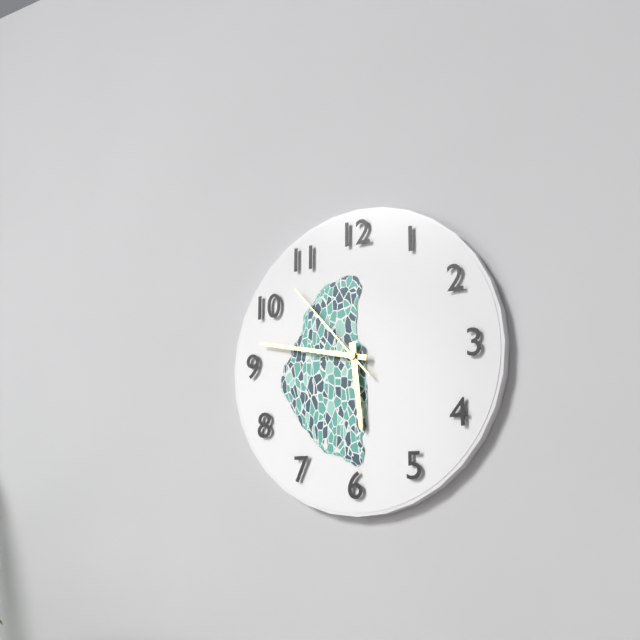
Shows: h=5 m=47 s=53
